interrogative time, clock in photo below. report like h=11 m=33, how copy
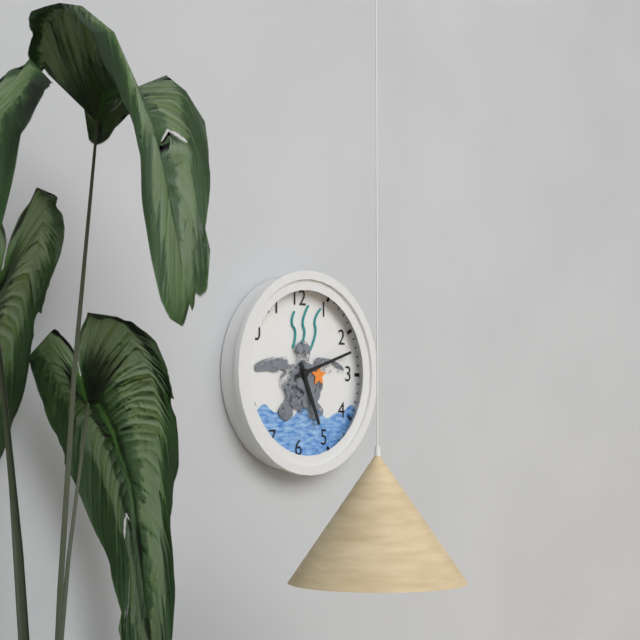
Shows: h=5 m=12
